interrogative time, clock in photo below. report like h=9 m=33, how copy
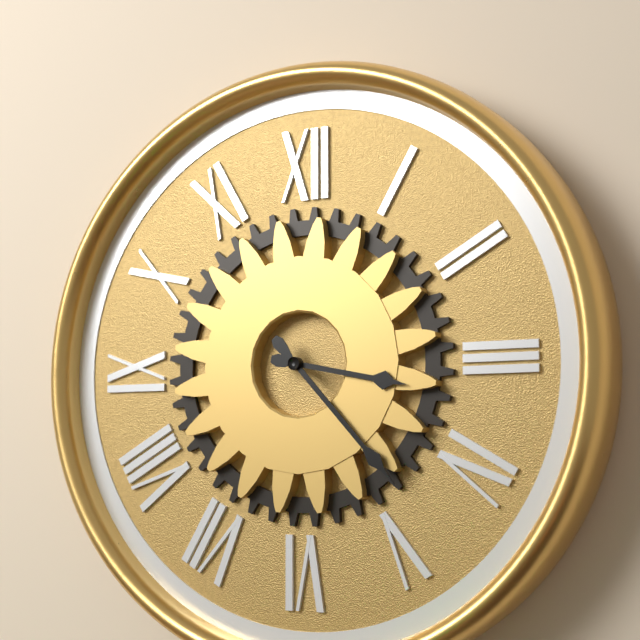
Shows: h=3 m=23
